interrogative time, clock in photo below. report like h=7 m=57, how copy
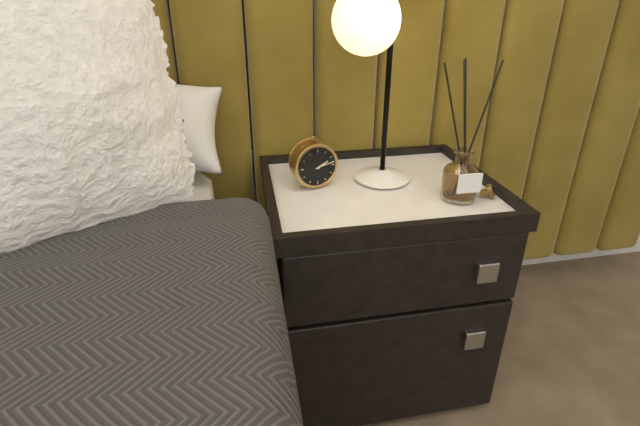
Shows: h=2 m=13
